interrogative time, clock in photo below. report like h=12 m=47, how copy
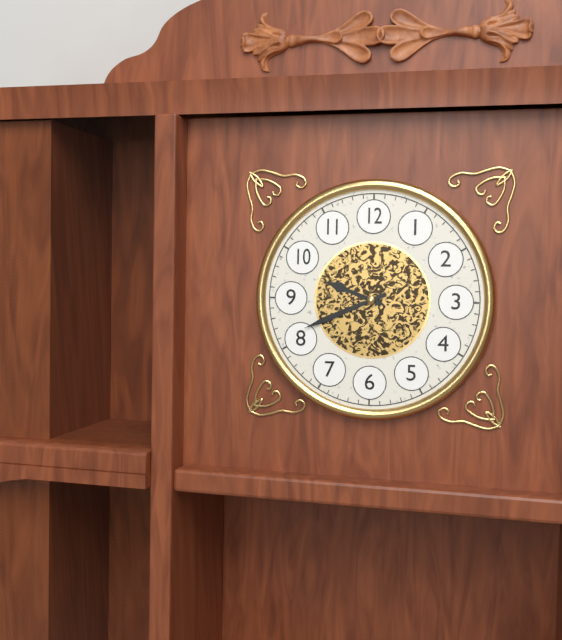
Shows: h=9 m=41
